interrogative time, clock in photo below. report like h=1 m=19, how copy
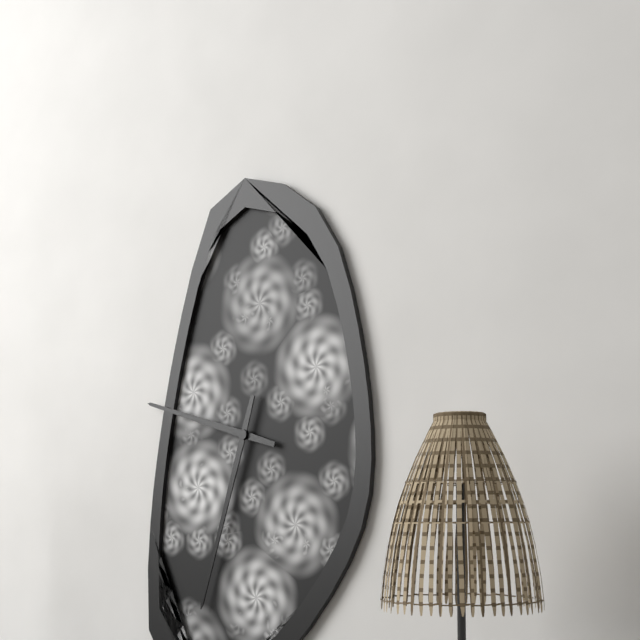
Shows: h=9 m=33
